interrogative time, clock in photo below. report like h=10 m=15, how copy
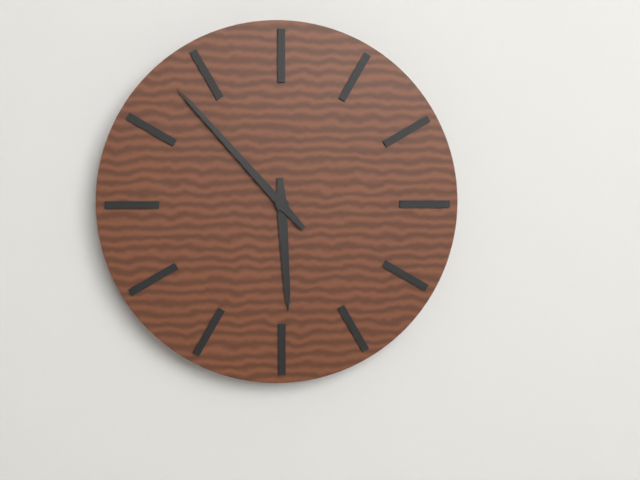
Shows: h=5 m=53
